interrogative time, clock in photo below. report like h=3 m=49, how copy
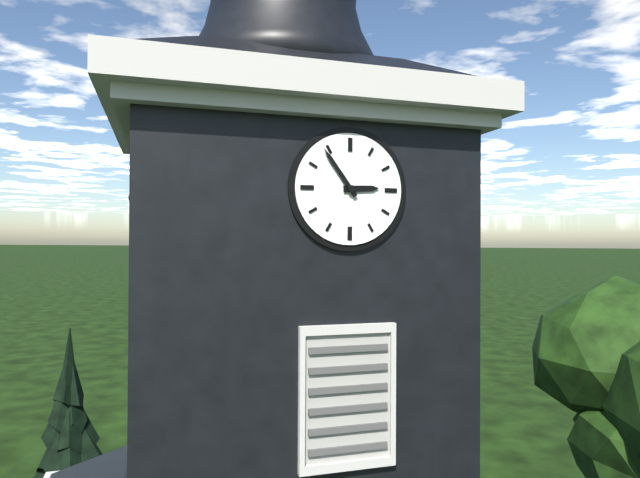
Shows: h=2 m=54
